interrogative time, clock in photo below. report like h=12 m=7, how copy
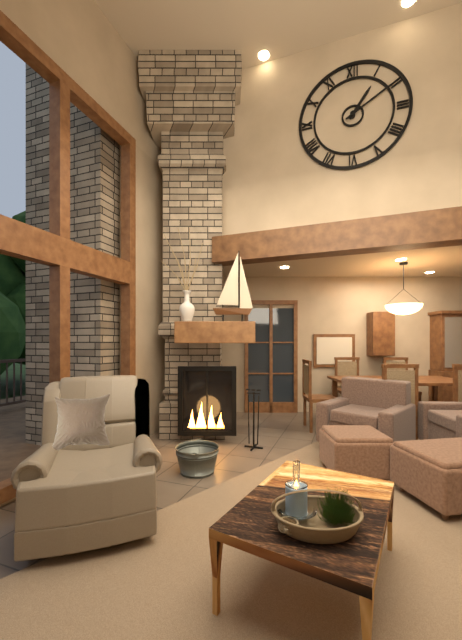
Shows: h=1 m=10
